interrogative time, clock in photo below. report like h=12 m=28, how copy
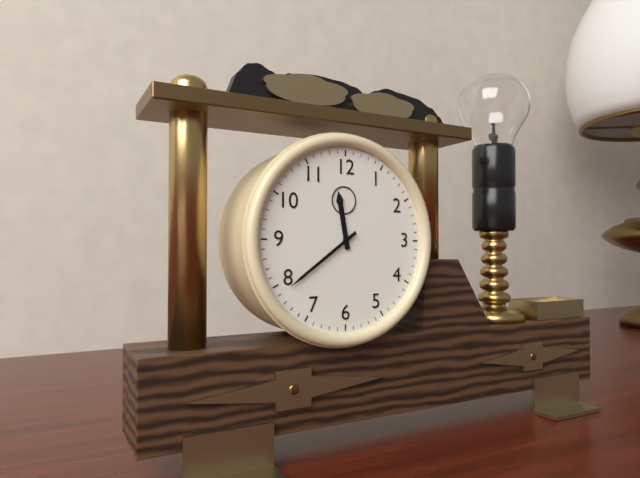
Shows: h=11 m=39
